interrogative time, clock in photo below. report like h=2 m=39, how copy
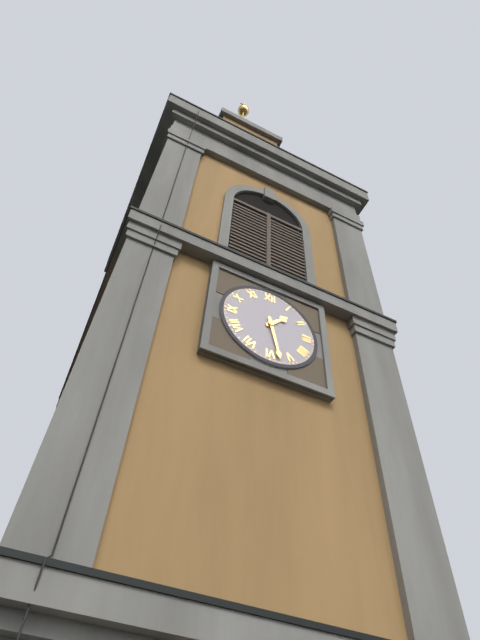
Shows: h=1 m=28
